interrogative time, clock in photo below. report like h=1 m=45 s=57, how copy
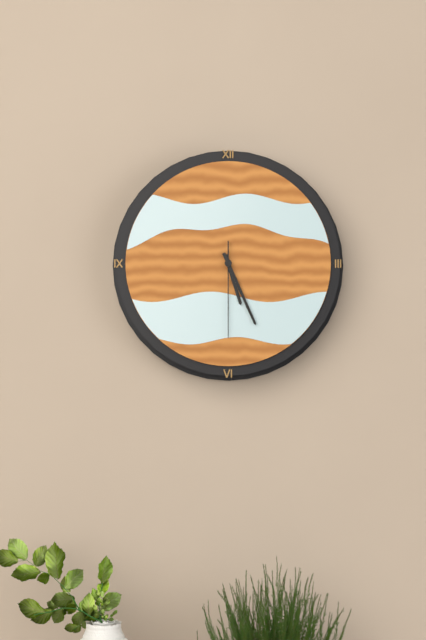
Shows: h=5 m=26 s=30
